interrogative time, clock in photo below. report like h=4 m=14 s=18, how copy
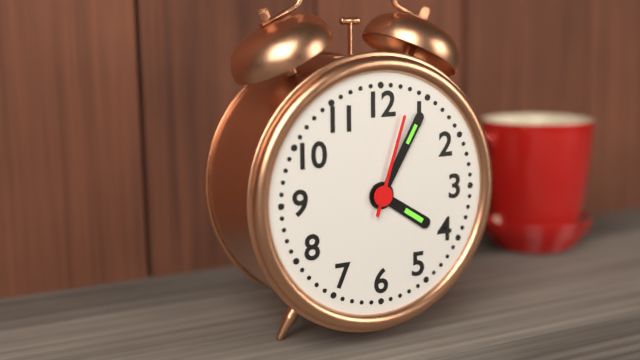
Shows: h=4 m=5 s=3
